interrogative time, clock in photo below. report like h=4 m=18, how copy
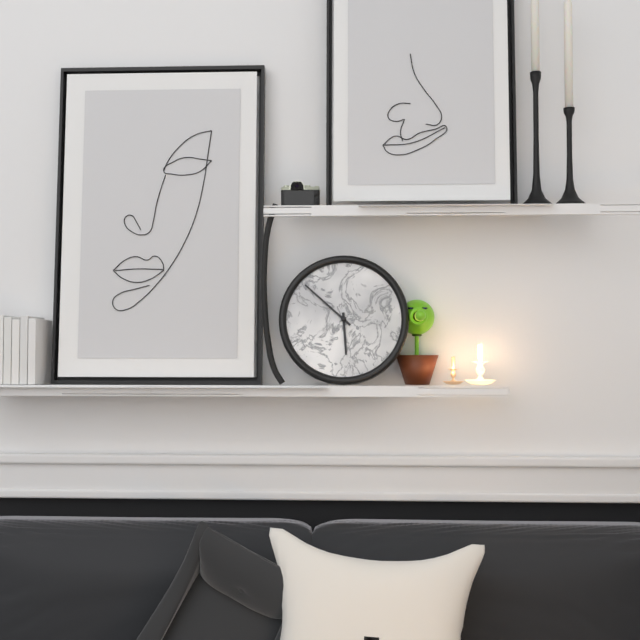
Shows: h=5 m=52
